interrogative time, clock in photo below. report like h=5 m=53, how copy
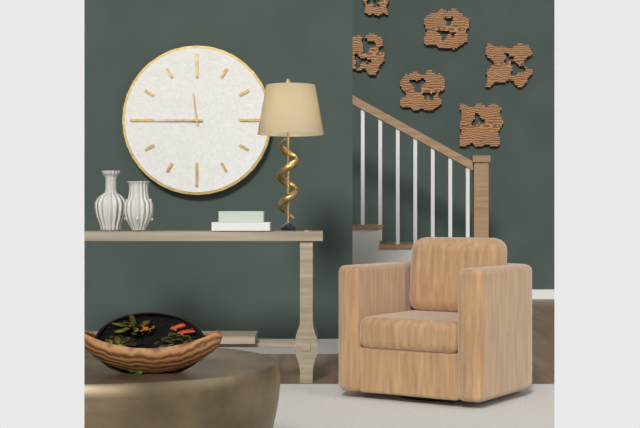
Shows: h=11 m=45
